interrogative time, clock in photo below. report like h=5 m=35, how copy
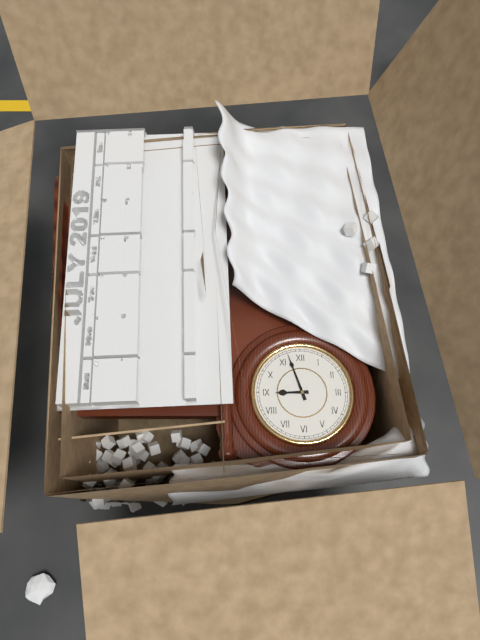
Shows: h=8 m=57
